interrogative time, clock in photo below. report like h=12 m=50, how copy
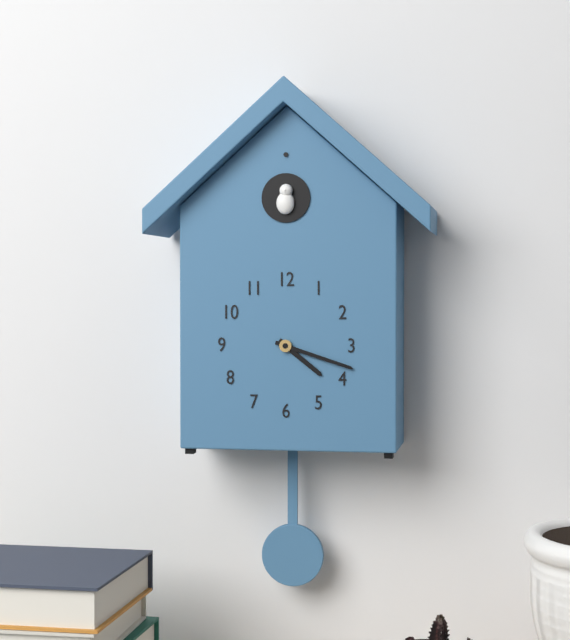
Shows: h=4 m=18
